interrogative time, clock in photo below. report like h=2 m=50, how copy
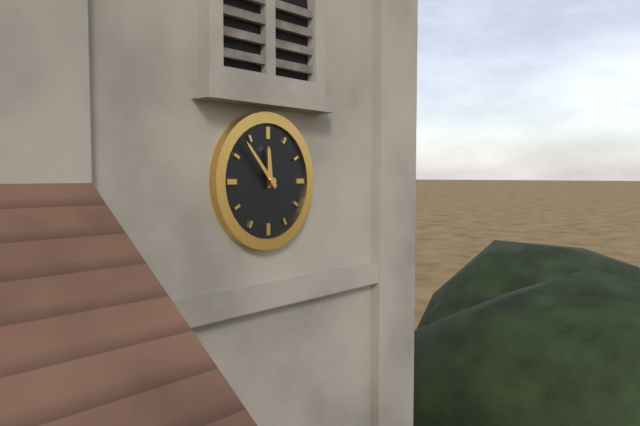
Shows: h=11 m=53
